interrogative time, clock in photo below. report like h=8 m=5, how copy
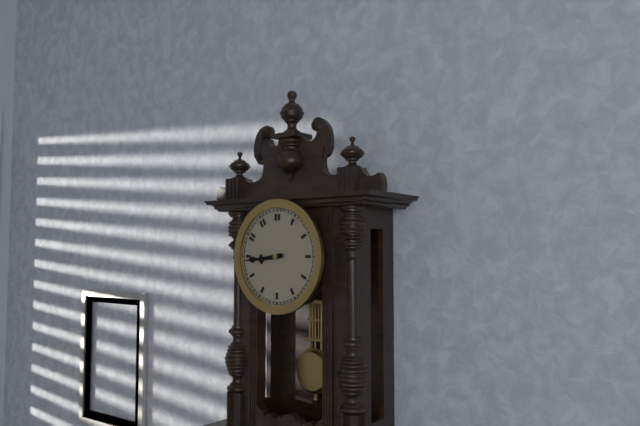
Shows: h=8 m=44
